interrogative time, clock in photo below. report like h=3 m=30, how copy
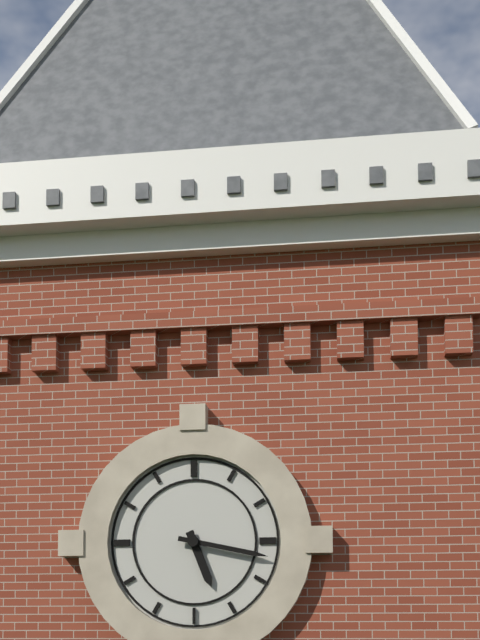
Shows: h=5 m=17
